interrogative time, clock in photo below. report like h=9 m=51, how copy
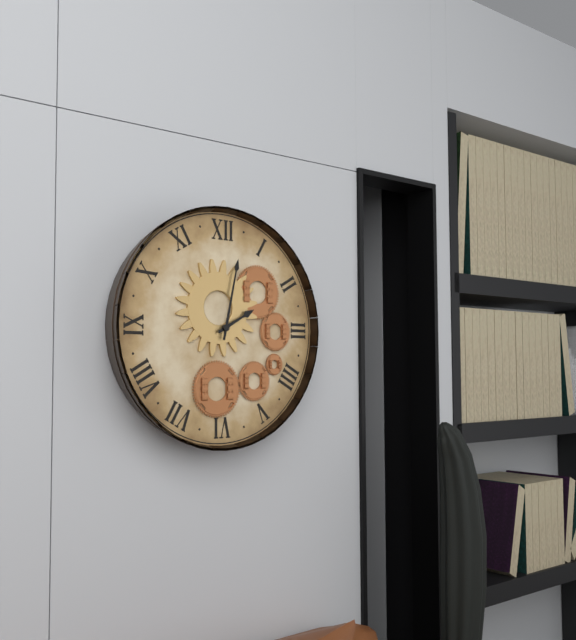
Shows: h=2 m=2
